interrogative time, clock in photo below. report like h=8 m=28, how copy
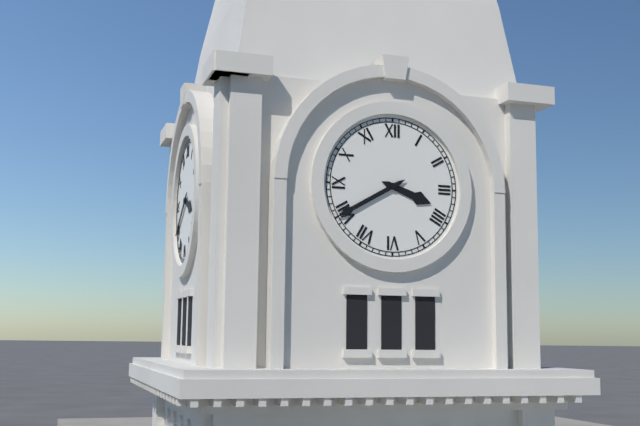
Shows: h=3 m=40
